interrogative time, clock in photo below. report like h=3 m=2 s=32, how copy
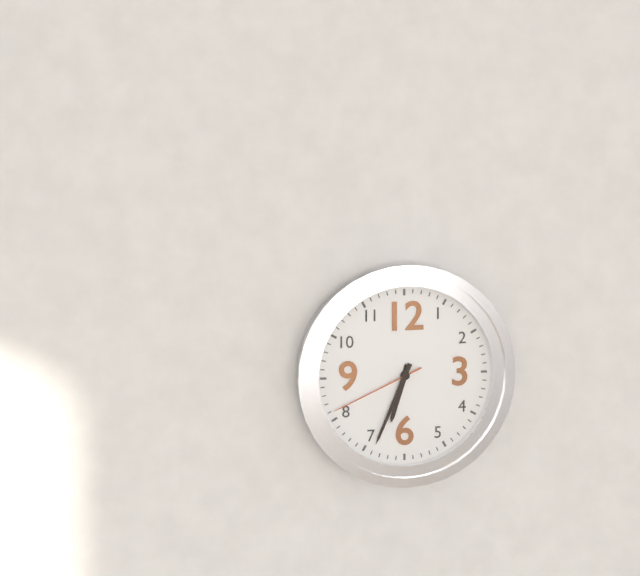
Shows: h=6 m=34 s=41
